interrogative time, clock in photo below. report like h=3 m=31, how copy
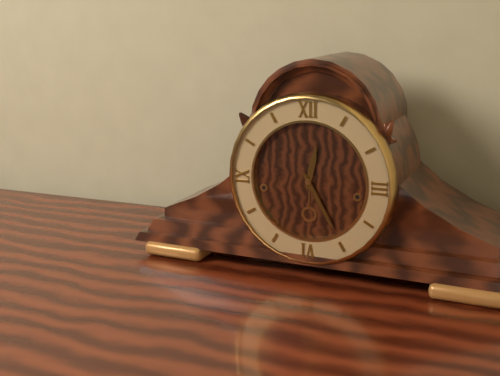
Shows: h=12 m=25
